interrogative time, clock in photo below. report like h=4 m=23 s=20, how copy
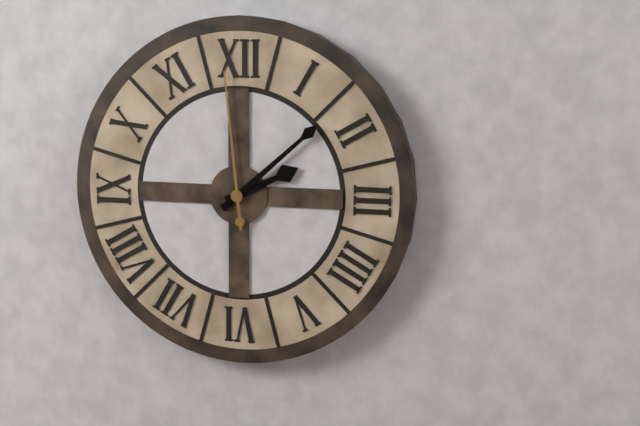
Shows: h=2 m=8 s=59
